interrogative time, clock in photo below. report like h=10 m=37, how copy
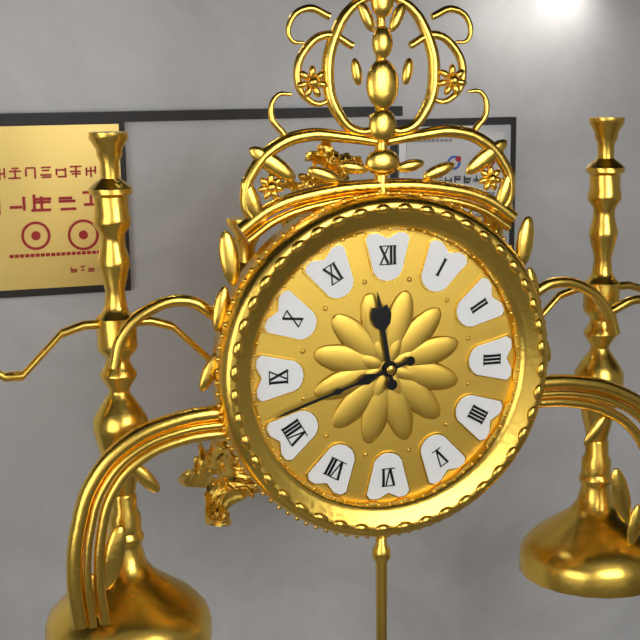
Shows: h=11 m=42
